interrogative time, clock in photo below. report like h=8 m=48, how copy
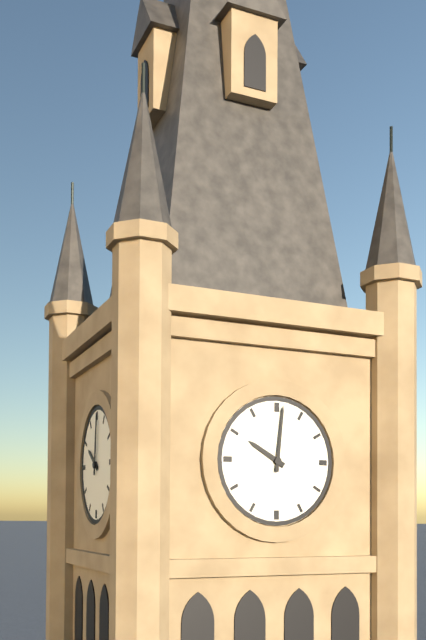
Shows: h=10 m=1
